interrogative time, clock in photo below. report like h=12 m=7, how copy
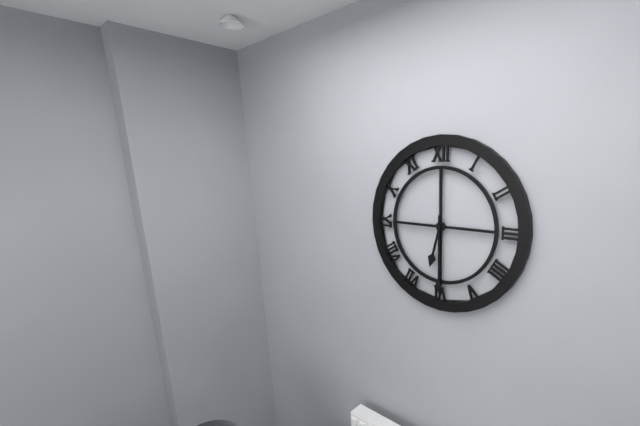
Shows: h=6 m=30
